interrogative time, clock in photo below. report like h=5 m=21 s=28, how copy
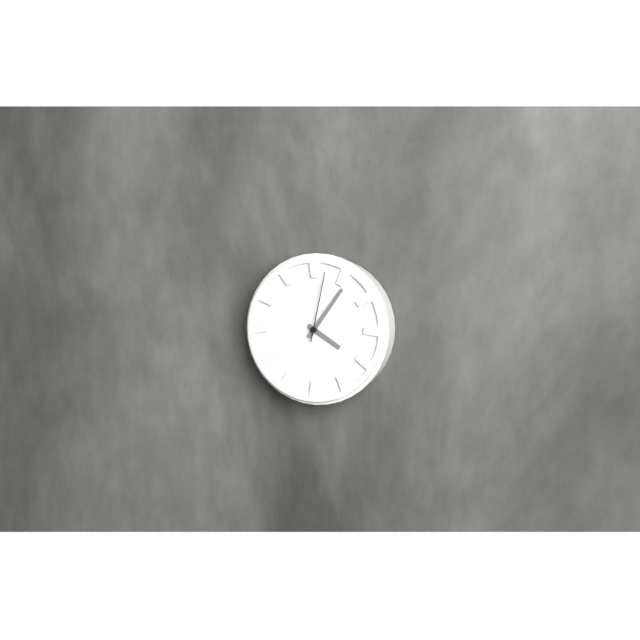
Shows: h=4 m=6 s=2
